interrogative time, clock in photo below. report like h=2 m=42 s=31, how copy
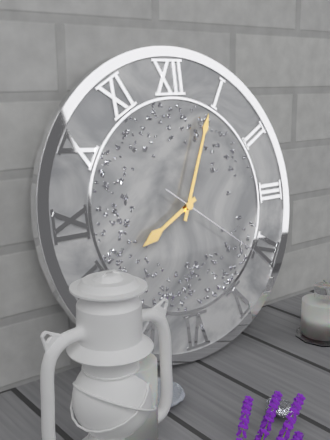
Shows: h=8 m=4 s=21
